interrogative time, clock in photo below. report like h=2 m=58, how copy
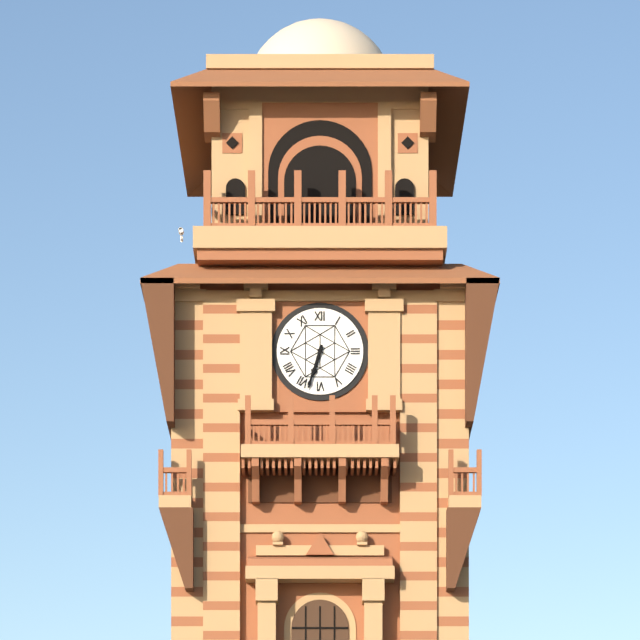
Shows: h=6 m=33
